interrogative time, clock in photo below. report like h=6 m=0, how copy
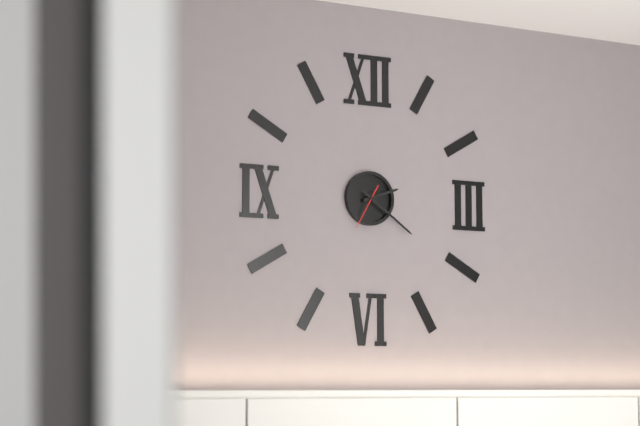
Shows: h=2 m=21
